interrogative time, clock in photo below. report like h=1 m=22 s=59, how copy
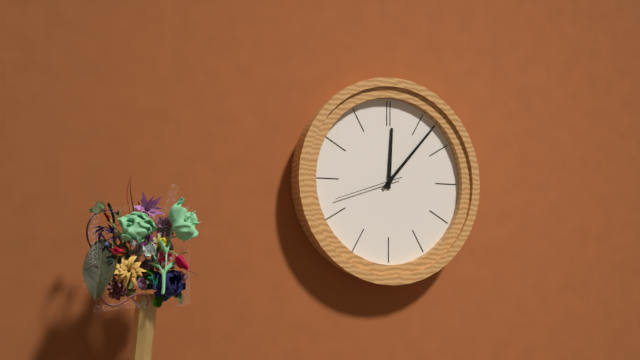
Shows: h=12 m=7 s=42
